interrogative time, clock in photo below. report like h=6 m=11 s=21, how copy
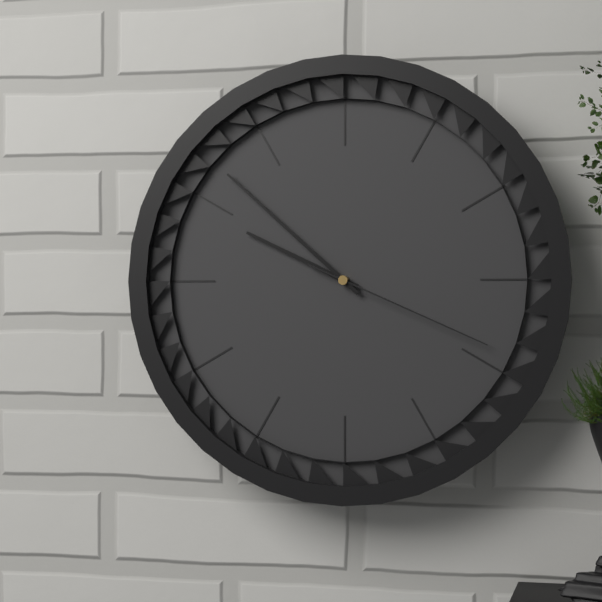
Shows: h=9 m=52 s=19
